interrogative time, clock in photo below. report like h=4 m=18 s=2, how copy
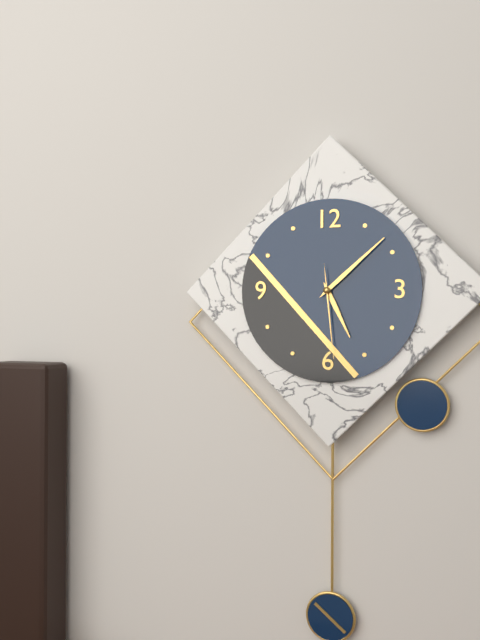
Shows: h=5 m=8 s=29
